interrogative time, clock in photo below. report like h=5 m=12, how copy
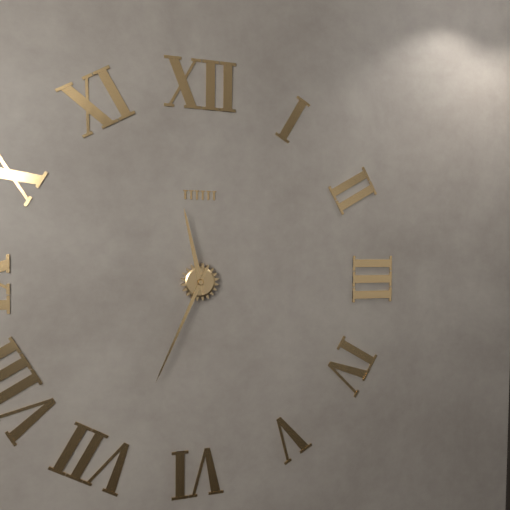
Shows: h=11 m=34
